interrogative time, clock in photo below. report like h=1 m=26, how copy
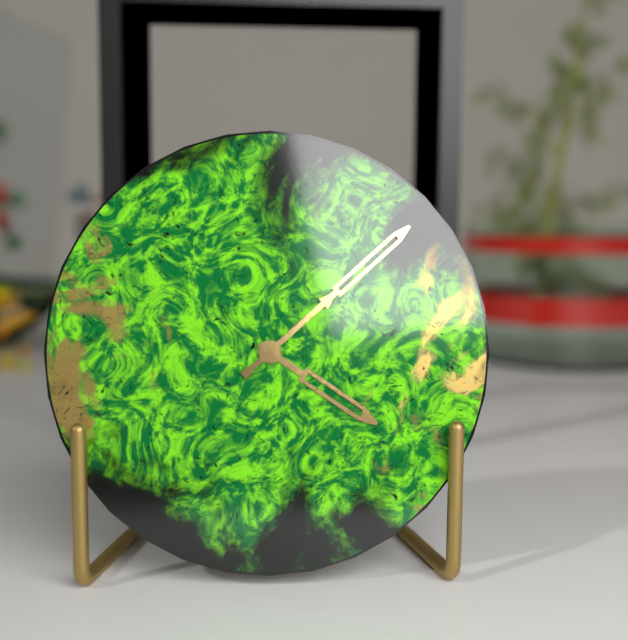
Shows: h=4 m=8
